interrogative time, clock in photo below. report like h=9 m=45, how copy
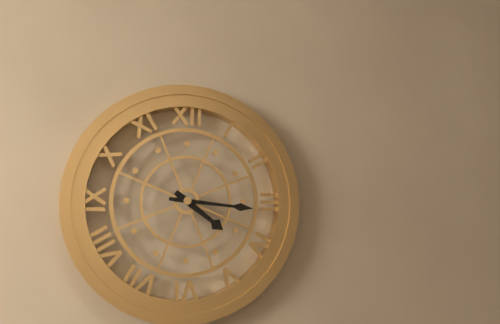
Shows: h=4 m=16
